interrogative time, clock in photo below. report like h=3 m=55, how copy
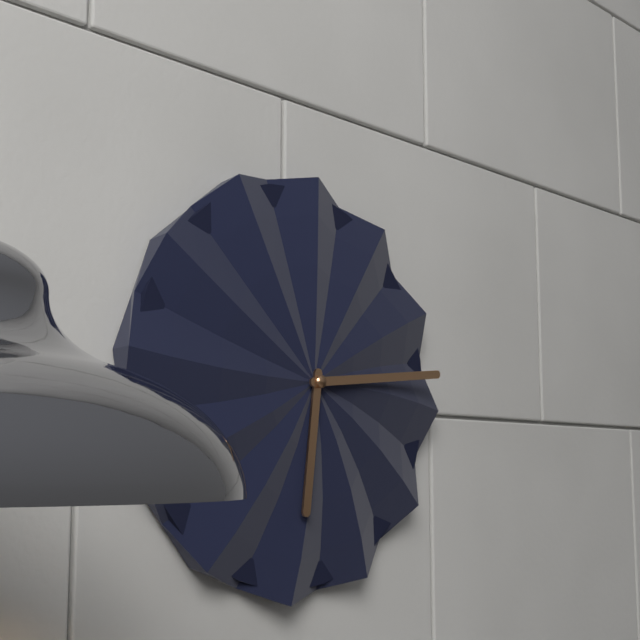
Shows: h=6 m=14
